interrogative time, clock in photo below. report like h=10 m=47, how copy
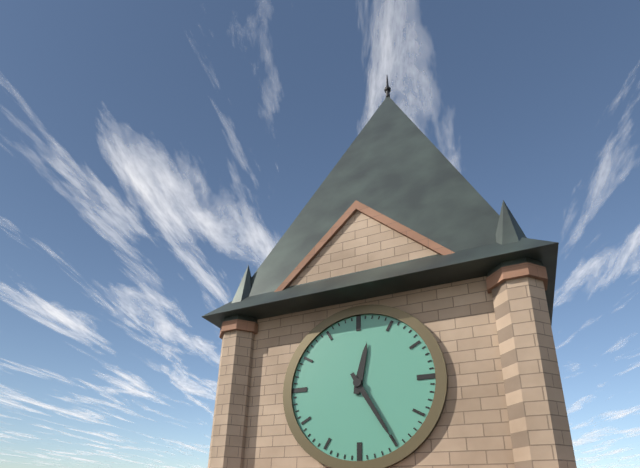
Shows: h=12 m=25
